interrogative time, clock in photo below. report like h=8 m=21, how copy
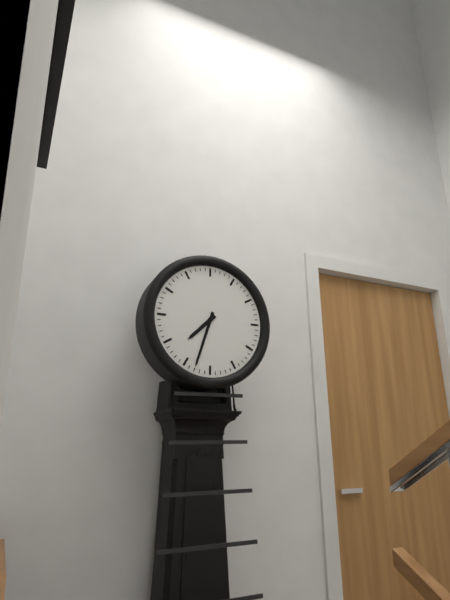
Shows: h=7 m=33
